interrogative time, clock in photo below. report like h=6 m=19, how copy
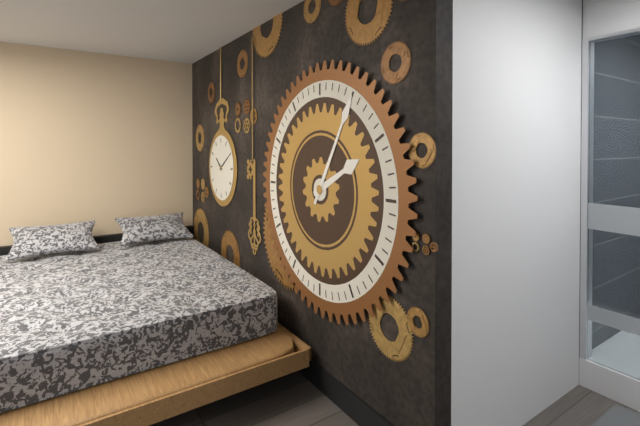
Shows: h=2 m=5
